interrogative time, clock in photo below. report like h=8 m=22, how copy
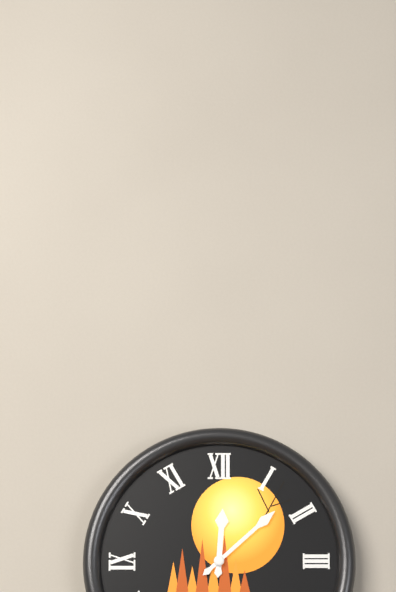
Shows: h=12 m=8
